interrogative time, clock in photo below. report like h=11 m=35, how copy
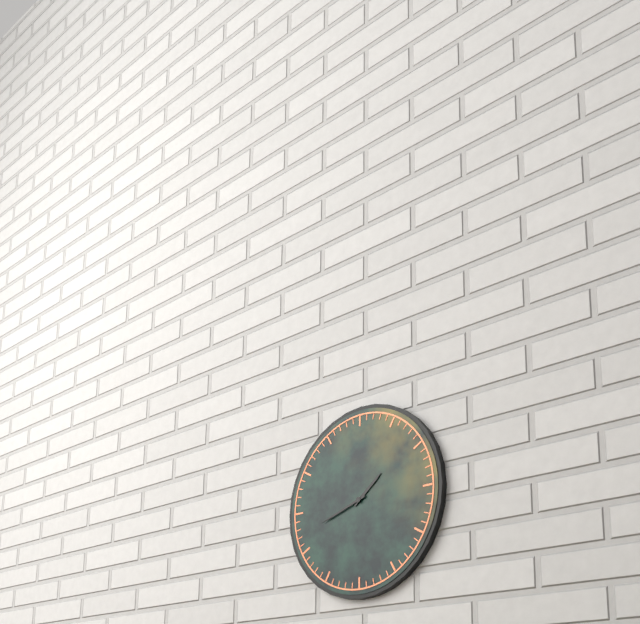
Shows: h=1 m=42
